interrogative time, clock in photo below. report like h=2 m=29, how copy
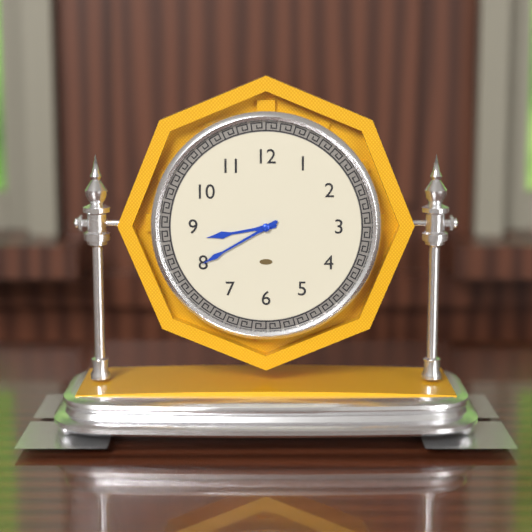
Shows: h=8 m=40
